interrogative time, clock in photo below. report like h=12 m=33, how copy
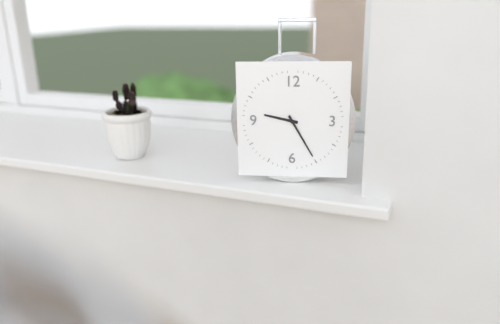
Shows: h=9 m=25
